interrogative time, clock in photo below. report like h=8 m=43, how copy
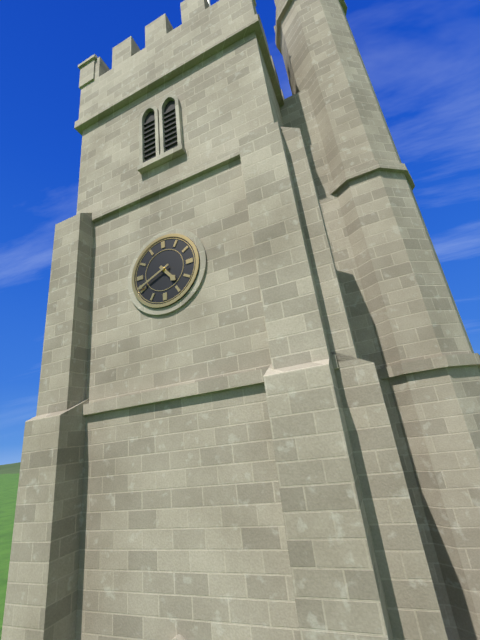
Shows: h=4 m=41
